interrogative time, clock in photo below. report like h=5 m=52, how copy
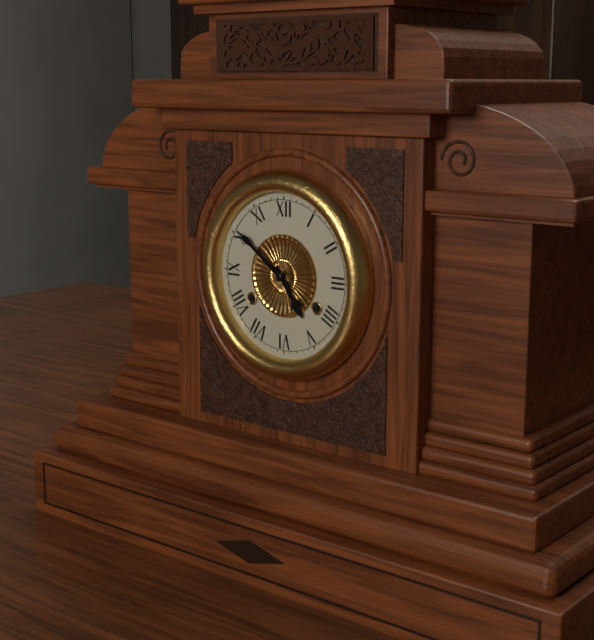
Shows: h=4 m=51
